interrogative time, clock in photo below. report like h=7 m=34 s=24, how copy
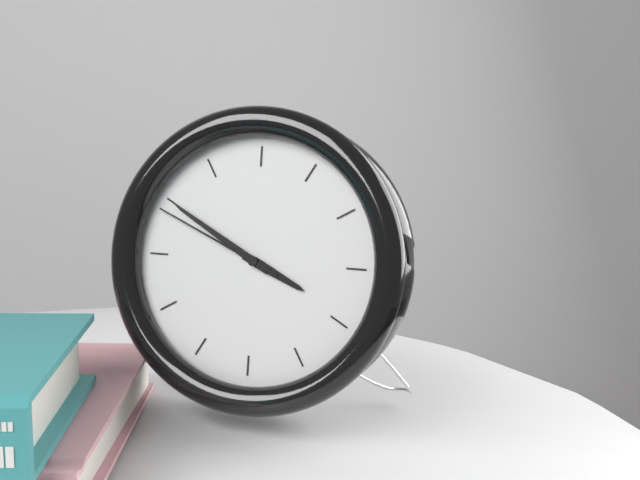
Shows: h=3 m=50 s=49
